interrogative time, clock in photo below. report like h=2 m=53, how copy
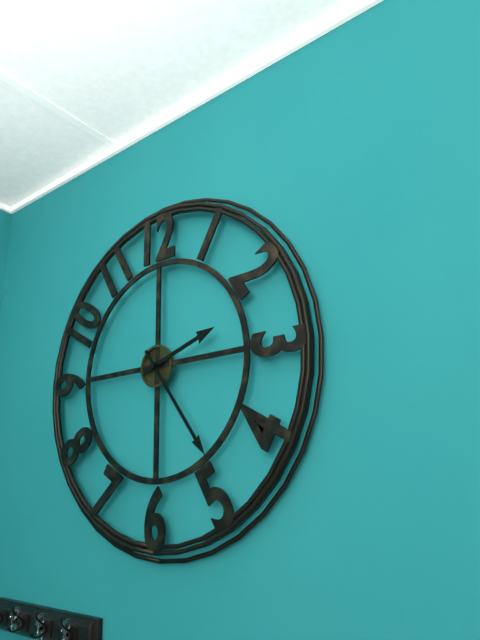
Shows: h=2 m=24
